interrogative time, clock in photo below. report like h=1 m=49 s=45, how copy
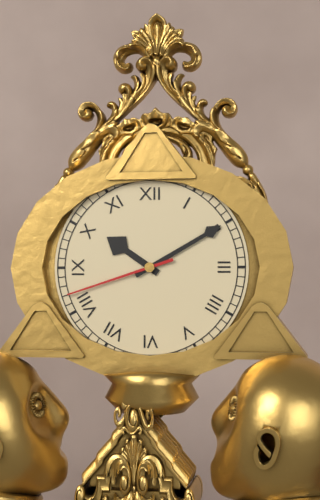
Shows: h=10 m=10 s=42
